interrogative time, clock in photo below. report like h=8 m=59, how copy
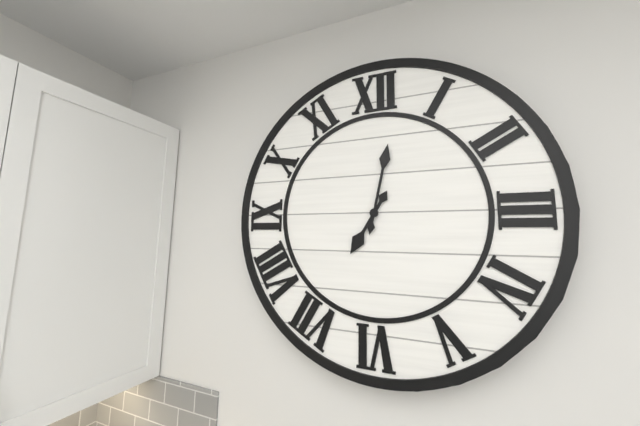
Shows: h=7 m=2
